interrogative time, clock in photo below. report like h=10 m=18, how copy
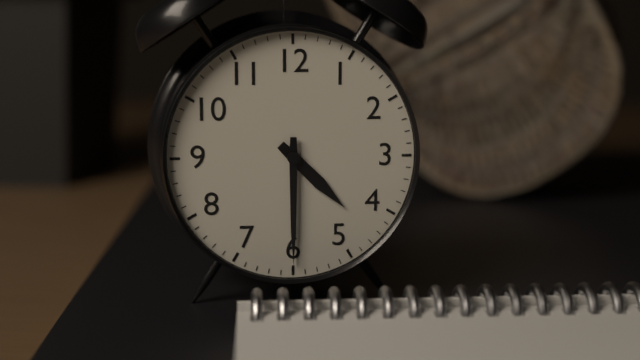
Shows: h=4 m=30
